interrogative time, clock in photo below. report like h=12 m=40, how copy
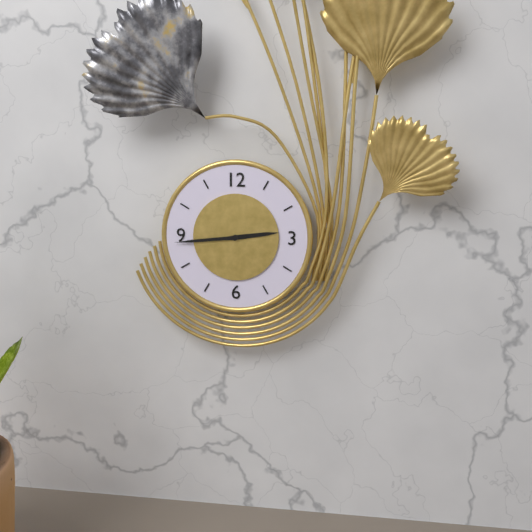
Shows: h=2 m=44
